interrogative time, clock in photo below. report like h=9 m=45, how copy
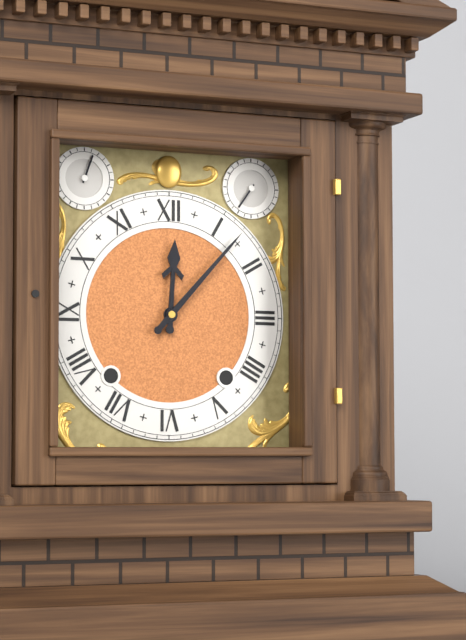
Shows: h=12 m=7
